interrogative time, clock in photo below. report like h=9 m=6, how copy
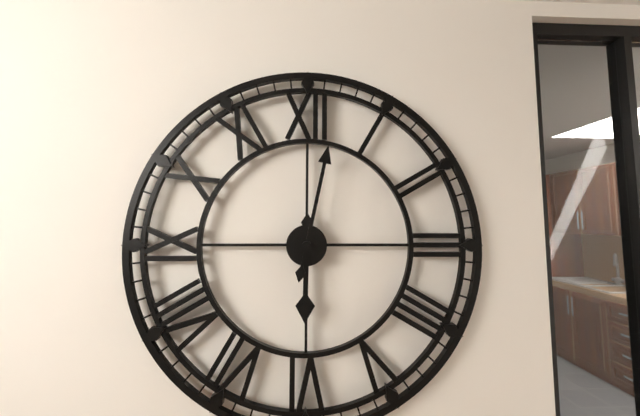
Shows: h=6 m=2
